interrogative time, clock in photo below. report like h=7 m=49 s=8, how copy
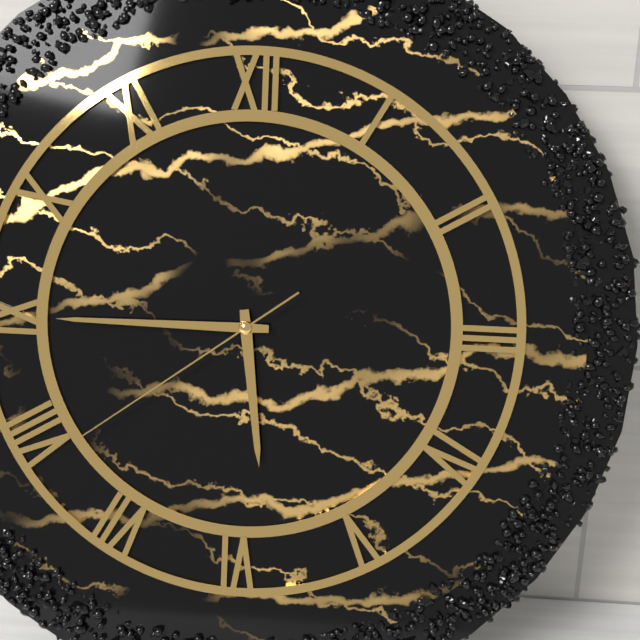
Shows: h=5 m=45 s=39
